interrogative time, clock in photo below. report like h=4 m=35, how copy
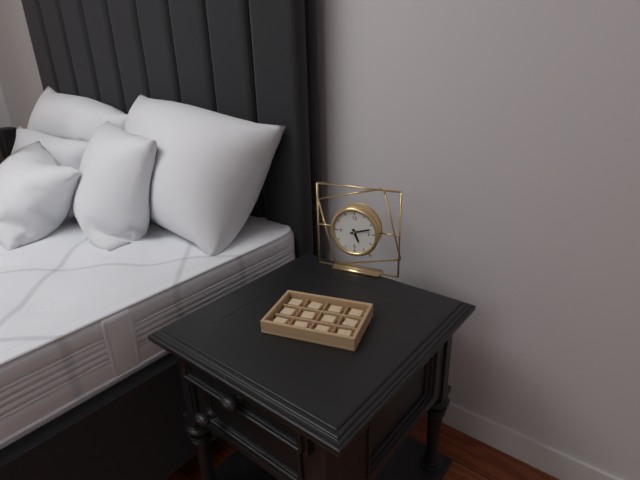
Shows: h=5 m=12
